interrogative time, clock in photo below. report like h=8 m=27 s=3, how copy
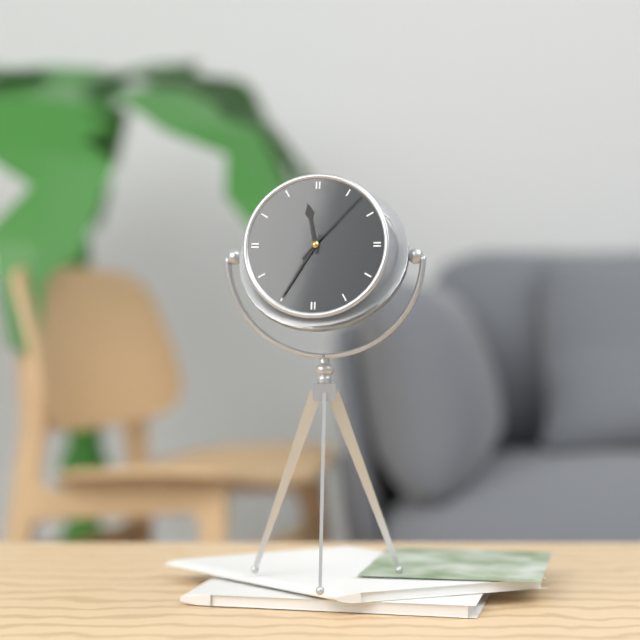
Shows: h=11 m=35 s=7
